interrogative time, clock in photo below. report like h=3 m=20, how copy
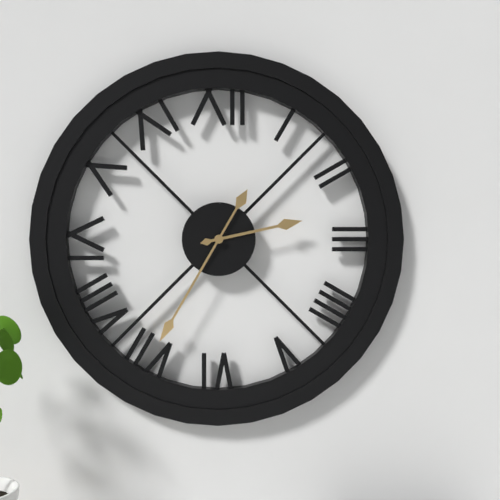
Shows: h=2 m=35
